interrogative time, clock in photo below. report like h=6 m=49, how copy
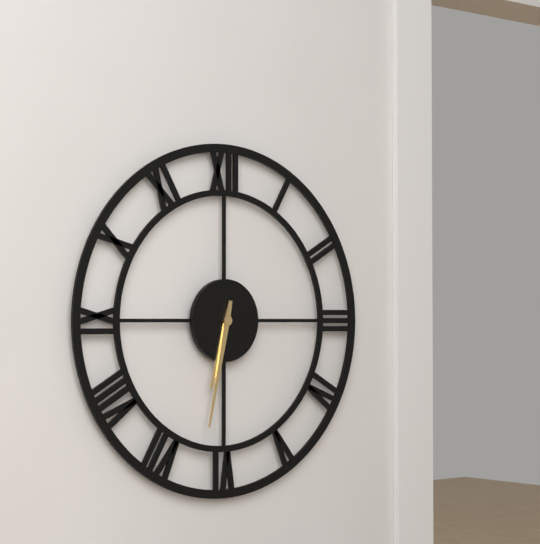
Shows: h=6 m=32
